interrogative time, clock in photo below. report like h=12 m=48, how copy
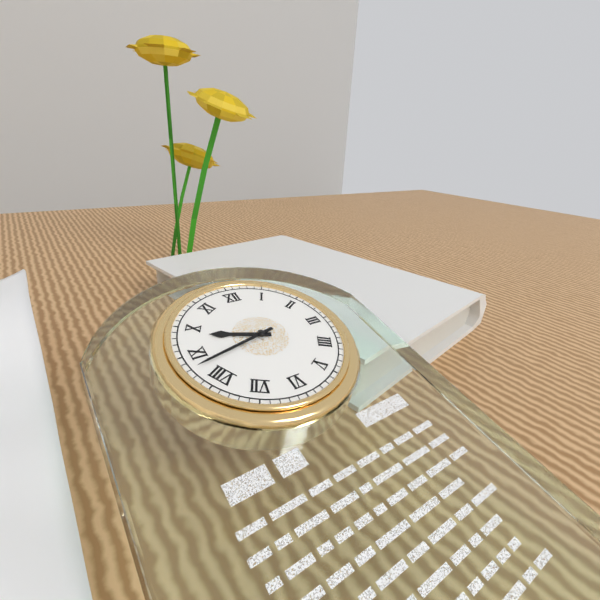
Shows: h=9 m=43
